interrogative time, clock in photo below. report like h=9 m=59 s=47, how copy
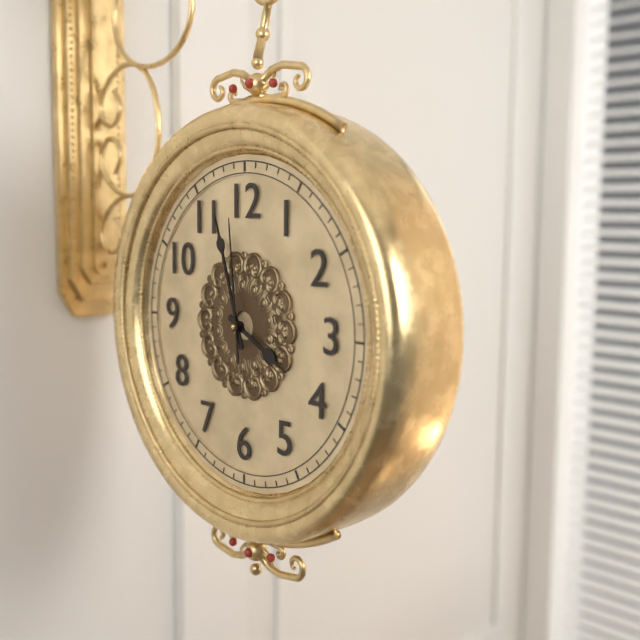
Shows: h=3 m=57 s=59
